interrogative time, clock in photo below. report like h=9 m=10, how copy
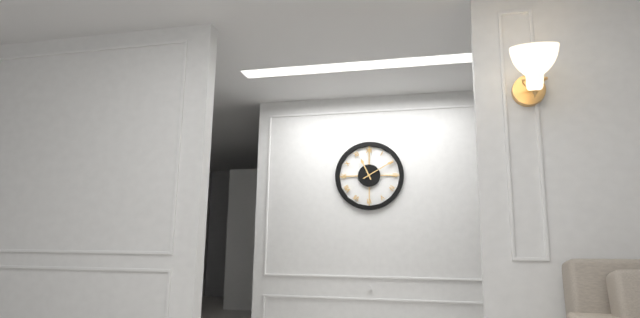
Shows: h=11 m=10
